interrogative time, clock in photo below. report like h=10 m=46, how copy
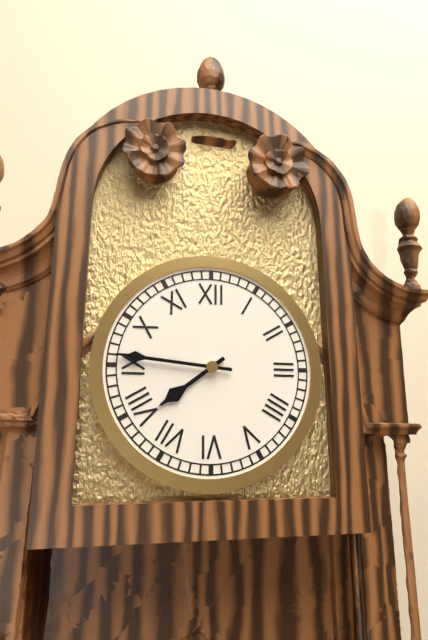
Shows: h=7 m=46
